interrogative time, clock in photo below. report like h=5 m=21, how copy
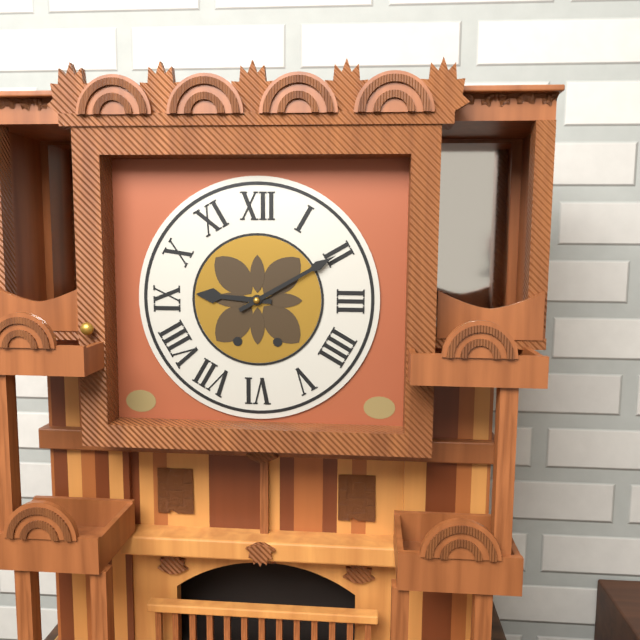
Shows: h=9 m=10
